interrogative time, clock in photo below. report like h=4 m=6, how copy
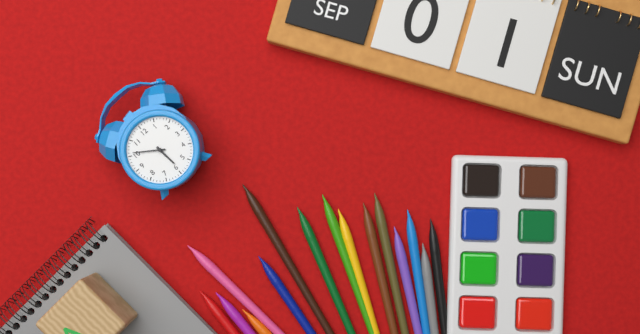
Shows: h=5 m=51
